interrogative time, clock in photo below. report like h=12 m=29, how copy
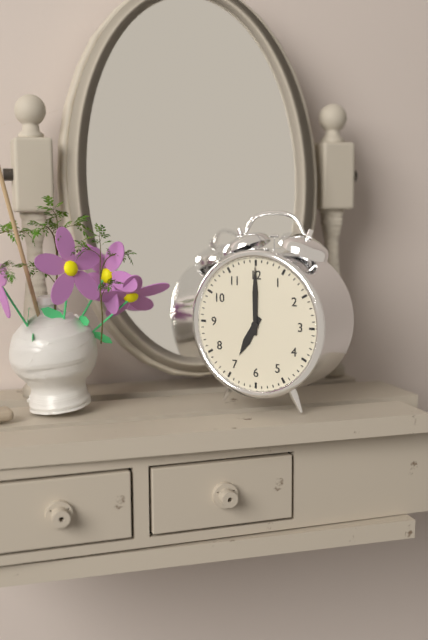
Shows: h=7 m=0
